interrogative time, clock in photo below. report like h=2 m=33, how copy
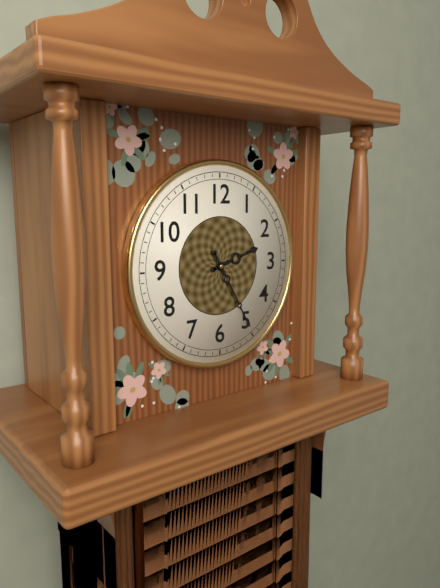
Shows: h=2 m=25
